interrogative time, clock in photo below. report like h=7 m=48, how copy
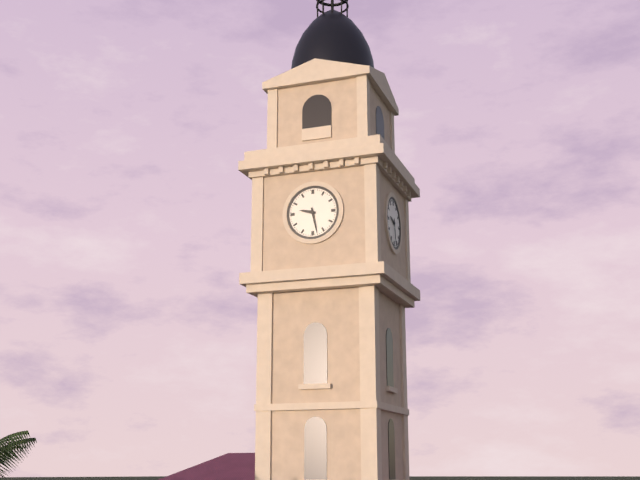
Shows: h=9 m=28
